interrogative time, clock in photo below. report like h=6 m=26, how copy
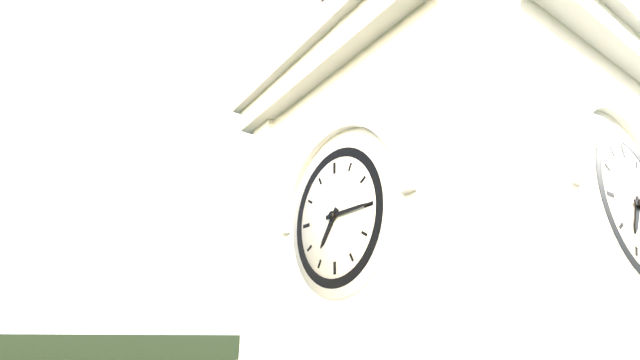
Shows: h=7 m=15
